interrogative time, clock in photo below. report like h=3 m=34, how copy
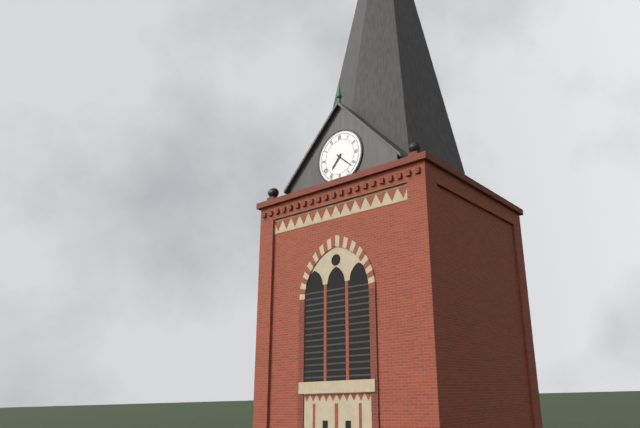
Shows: h=7 m=22
